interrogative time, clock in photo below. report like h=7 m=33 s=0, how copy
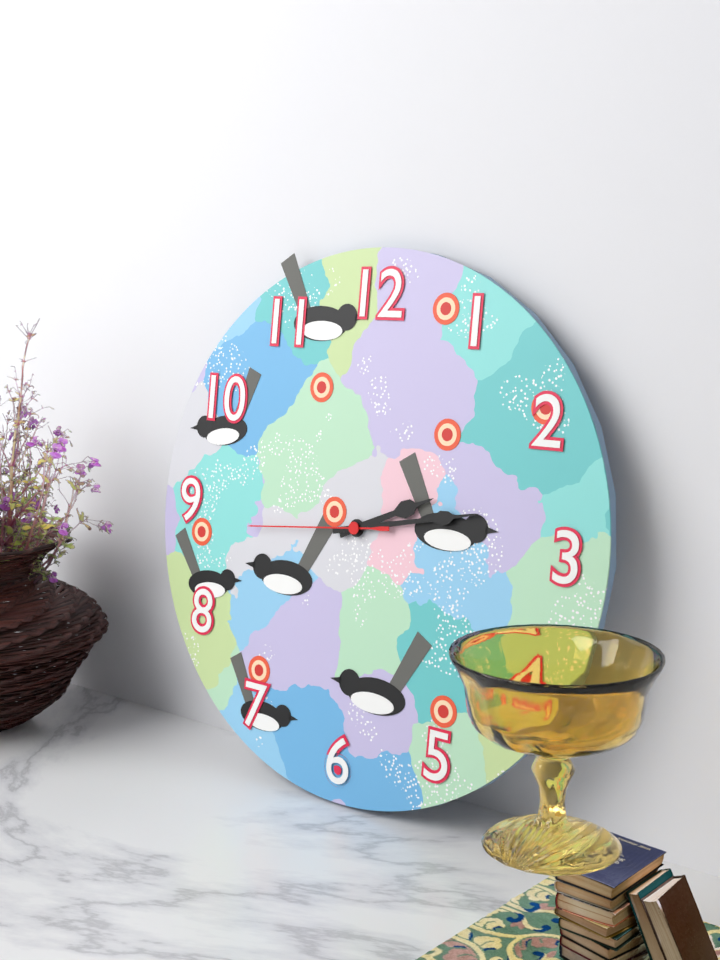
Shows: h=2 m=13 s=44
